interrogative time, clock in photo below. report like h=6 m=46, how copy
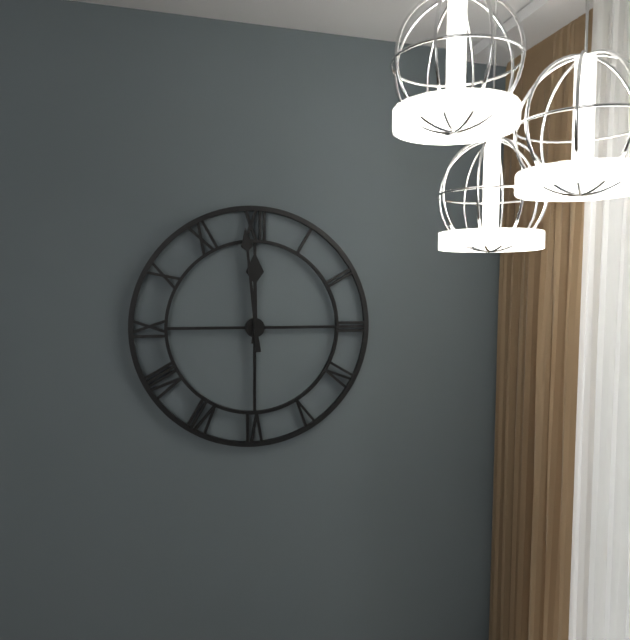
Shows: h=11 m=59
